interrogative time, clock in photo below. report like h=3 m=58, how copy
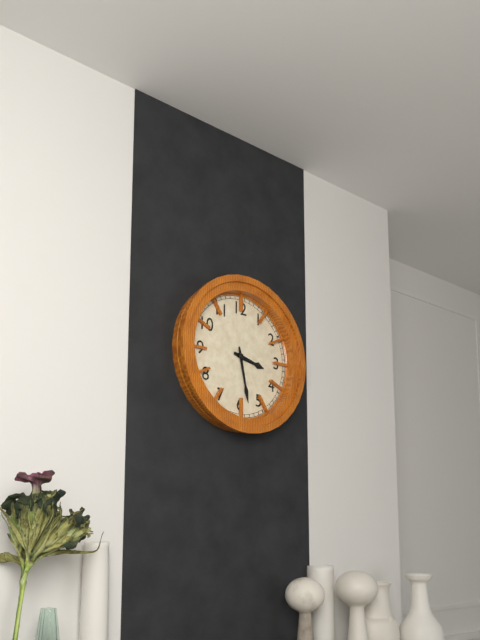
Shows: h=3 m=28
